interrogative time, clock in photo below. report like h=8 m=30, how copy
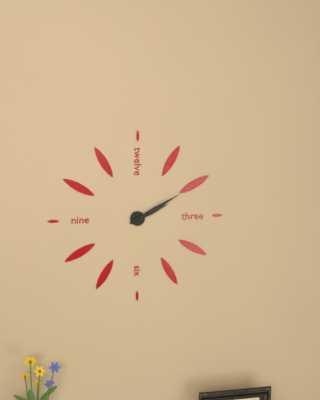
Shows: h=2 m=10
